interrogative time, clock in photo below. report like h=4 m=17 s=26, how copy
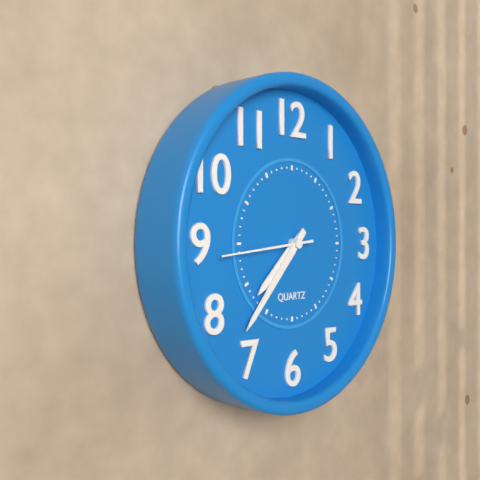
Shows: h=7 m=37 s=44
